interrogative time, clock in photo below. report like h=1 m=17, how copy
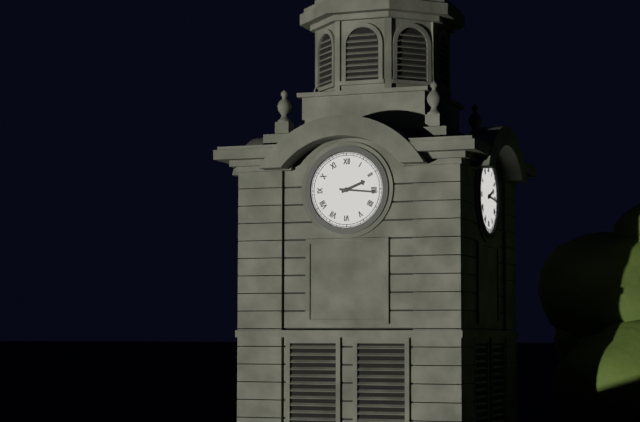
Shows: h=2 m=16
